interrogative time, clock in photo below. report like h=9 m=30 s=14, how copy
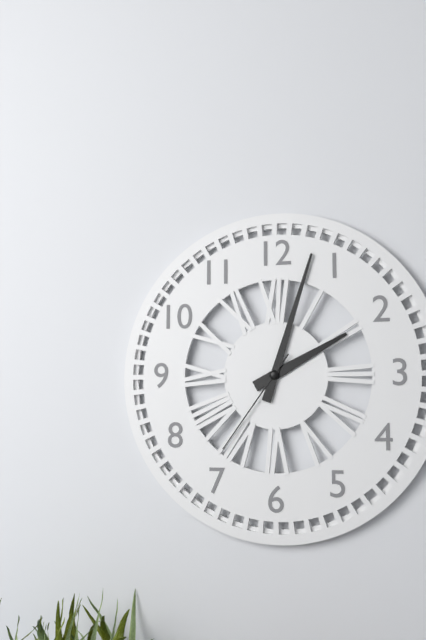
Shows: h=2 m=3 s=36
